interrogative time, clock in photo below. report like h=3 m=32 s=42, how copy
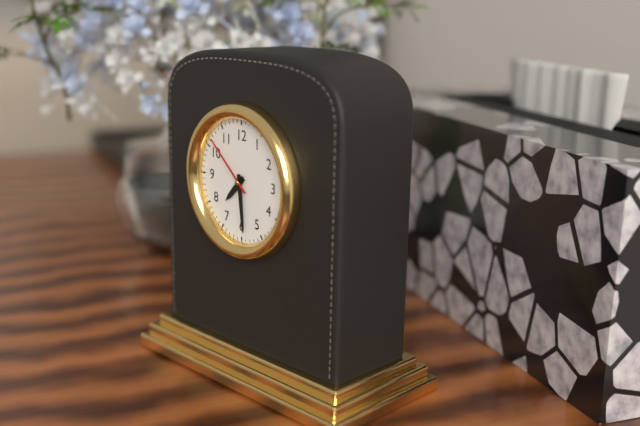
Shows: h=7 m=29 s=52
